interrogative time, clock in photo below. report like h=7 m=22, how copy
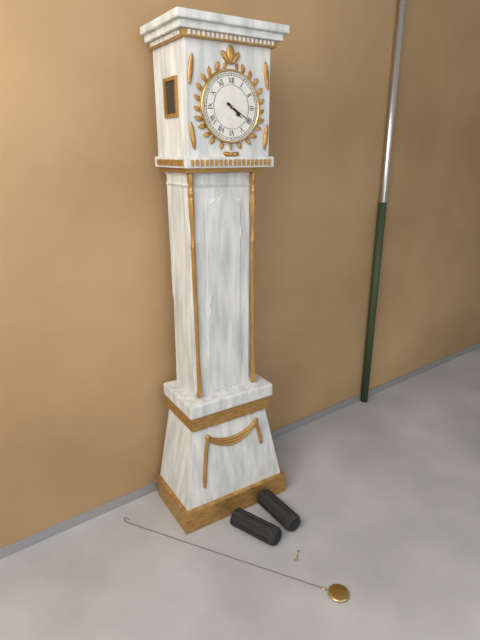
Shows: h=4 m=20
